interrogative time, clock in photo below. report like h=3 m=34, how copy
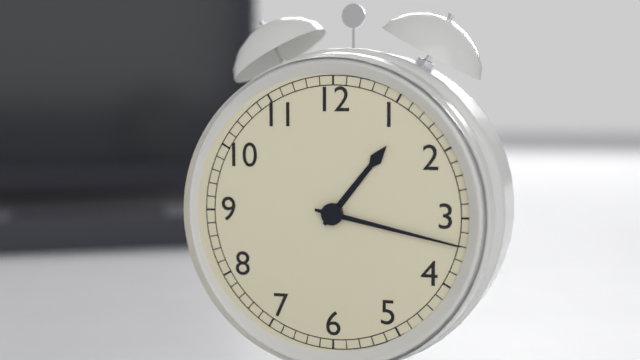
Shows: h=1 m=17
